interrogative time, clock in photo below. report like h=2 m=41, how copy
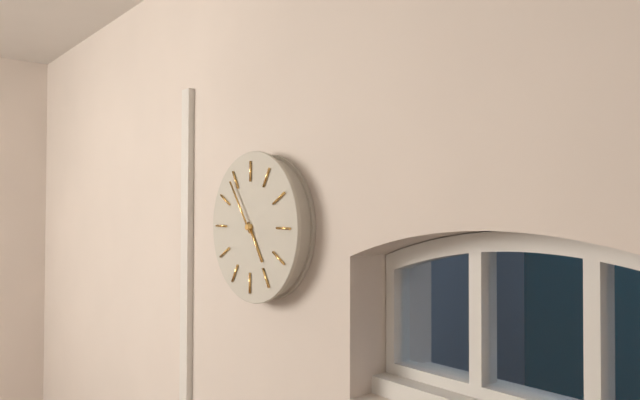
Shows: h=4 m=54
